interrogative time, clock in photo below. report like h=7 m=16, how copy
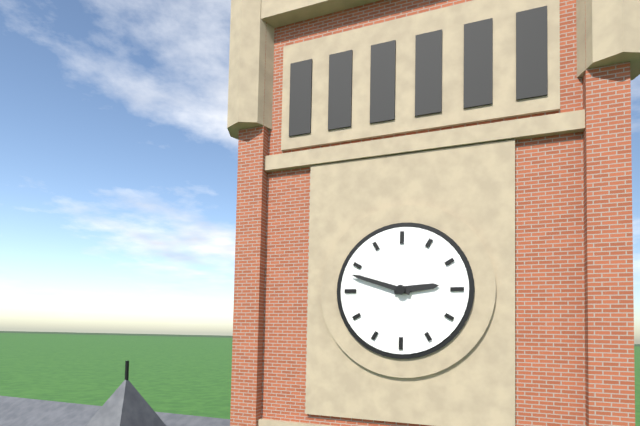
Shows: h=2 m=48
